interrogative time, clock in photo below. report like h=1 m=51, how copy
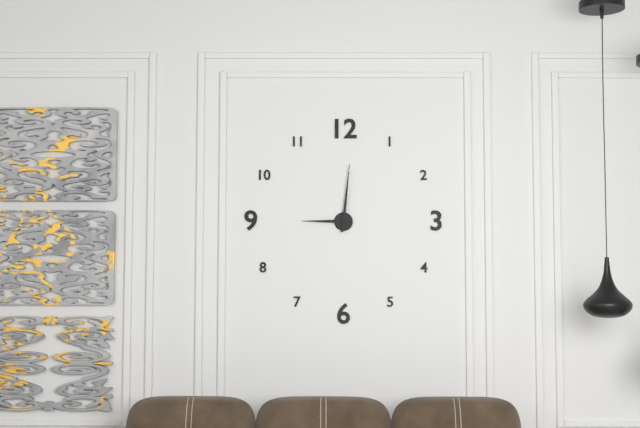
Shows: h=9 m=1
